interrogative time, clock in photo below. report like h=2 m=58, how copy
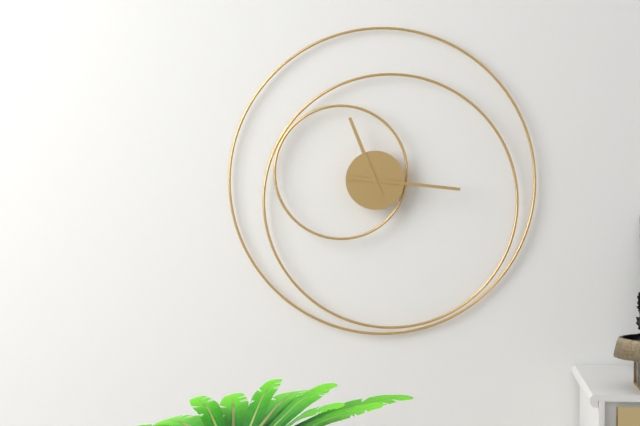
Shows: h=11 m=16
